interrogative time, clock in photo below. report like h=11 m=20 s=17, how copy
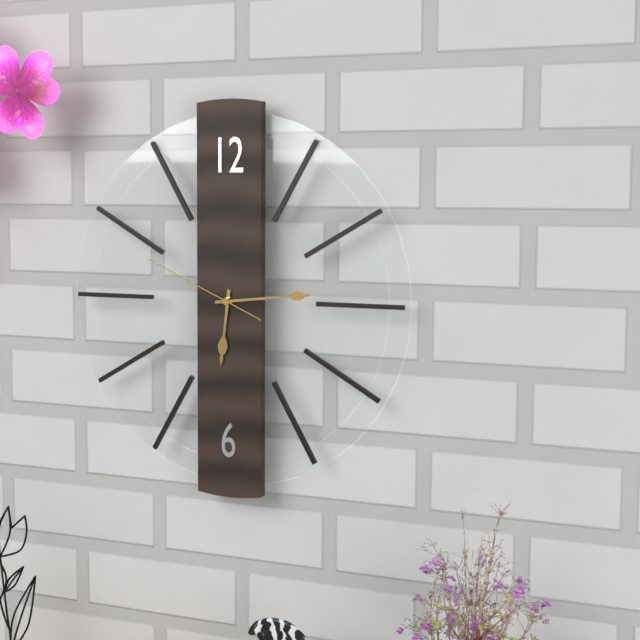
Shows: h=6 m=14 s=49
